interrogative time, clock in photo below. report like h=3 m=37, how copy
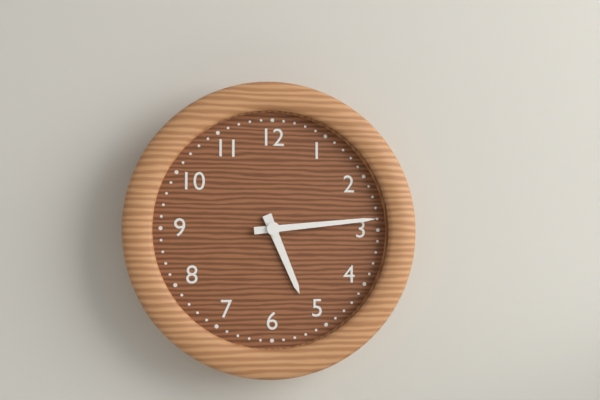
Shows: h=5 m=14
